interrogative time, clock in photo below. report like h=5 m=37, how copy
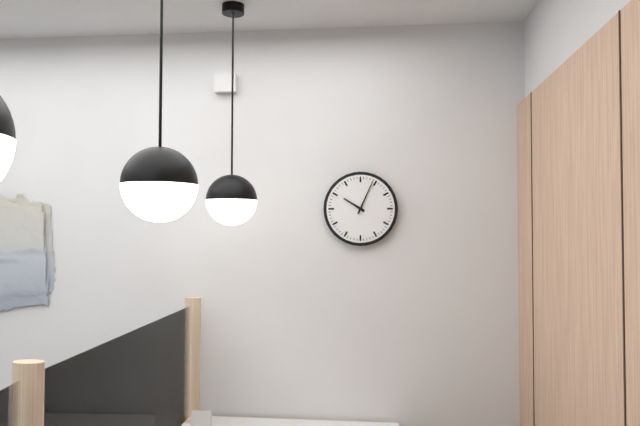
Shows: h=10 m=4
